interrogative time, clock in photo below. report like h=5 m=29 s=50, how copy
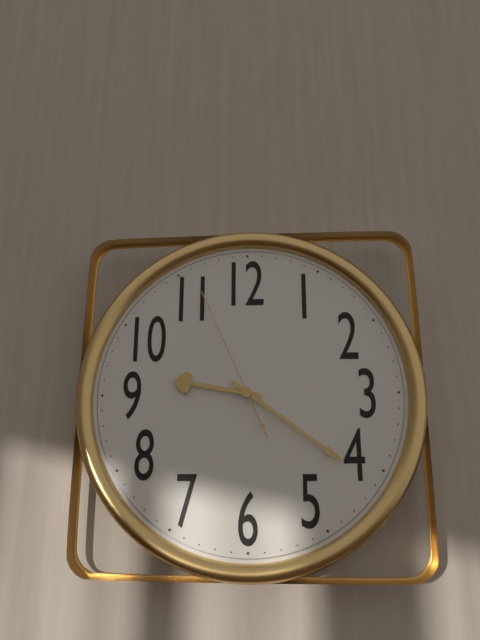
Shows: h=9 m=21 s=56
